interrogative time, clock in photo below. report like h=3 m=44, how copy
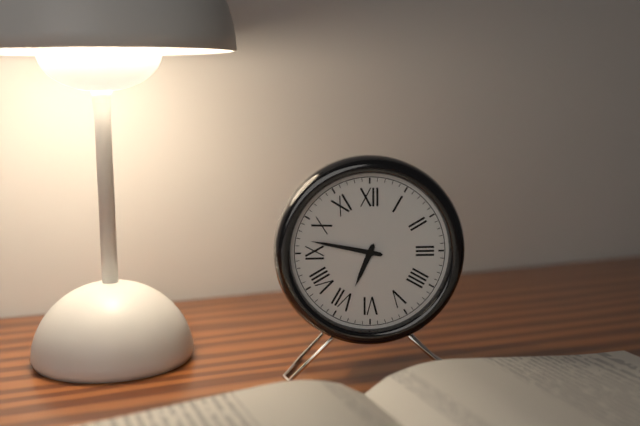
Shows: h=6 m=47
